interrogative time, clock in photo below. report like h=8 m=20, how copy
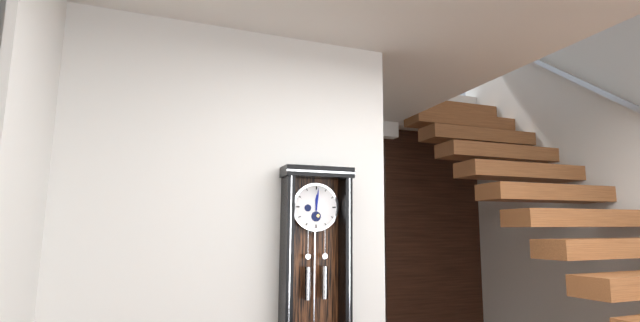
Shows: h=12 m=1
